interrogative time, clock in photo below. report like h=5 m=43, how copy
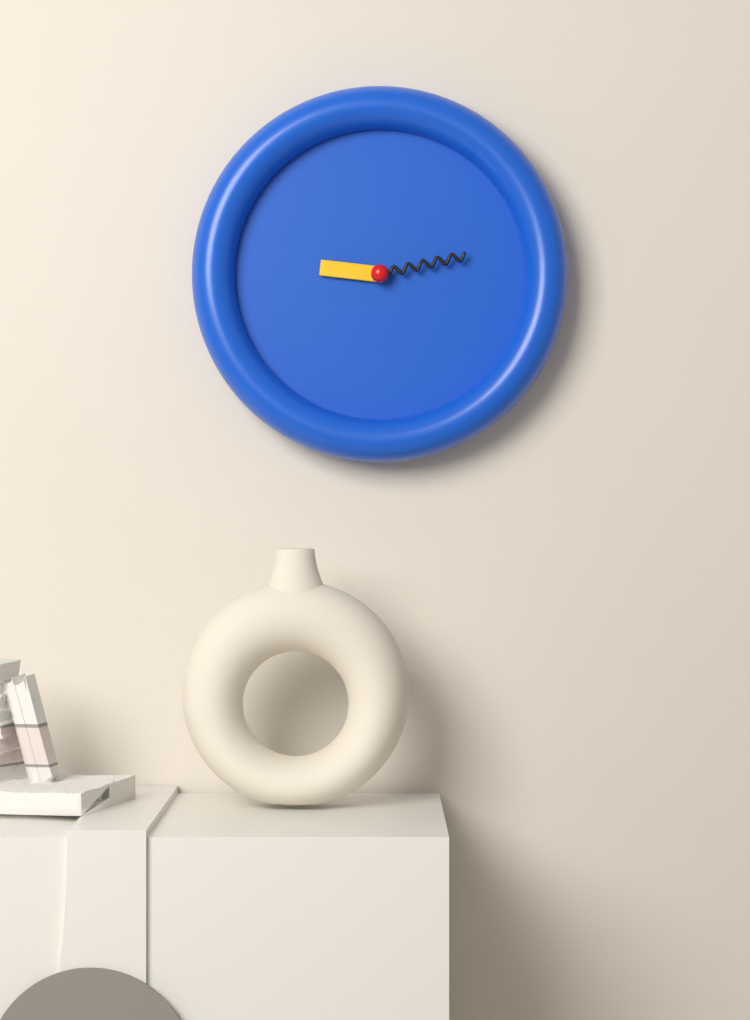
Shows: h=9 m=13
